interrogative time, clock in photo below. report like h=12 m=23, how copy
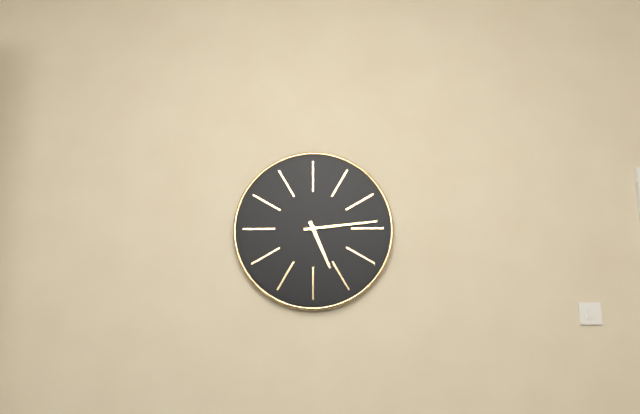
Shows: h=5 m=14
